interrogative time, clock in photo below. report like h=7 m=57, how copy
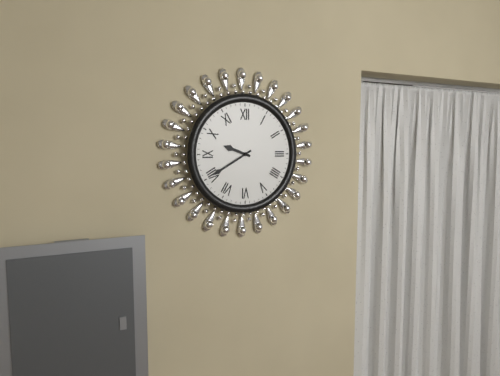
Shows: h=9 m=40
